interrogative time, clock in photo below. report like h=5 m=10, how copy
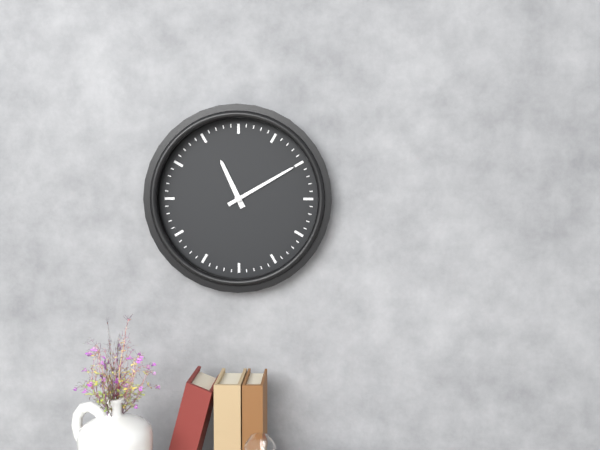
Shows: h=11 m=10
